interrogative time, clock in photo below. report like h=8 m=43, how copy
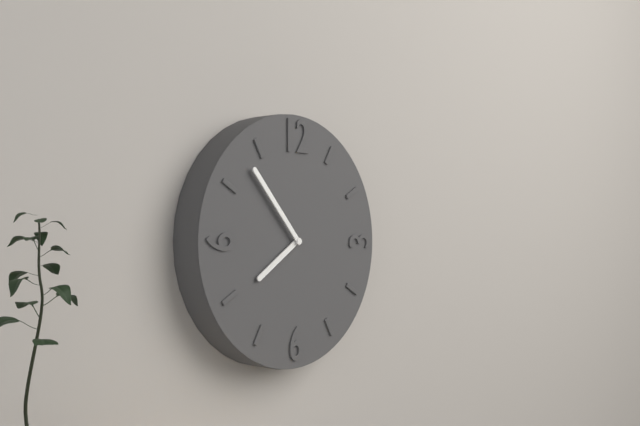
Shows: h=7 m=53
